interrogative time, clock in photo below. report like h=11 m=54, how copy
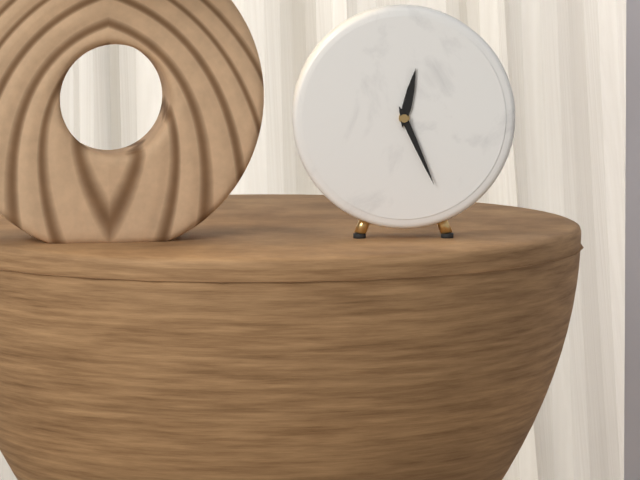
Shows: h=12 m=26
